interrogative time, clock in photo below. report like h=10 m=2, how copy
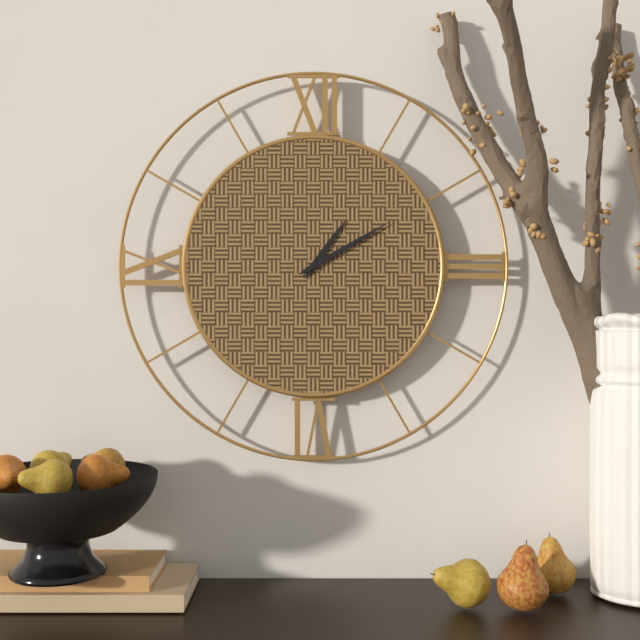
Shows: h=1 m=10
